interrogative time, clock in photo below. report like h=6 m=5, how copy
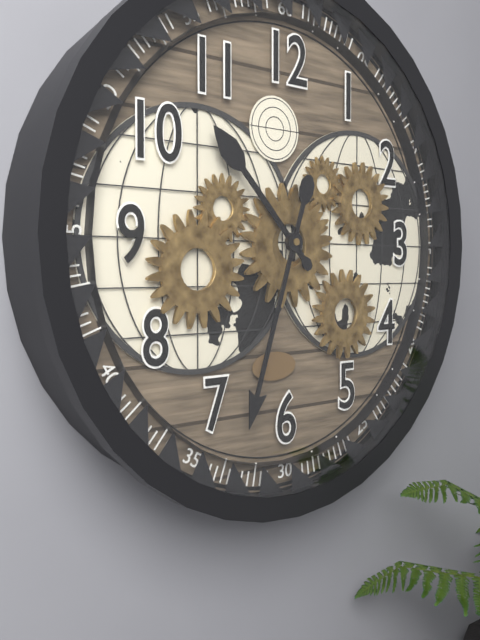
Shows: h=10 m=33
